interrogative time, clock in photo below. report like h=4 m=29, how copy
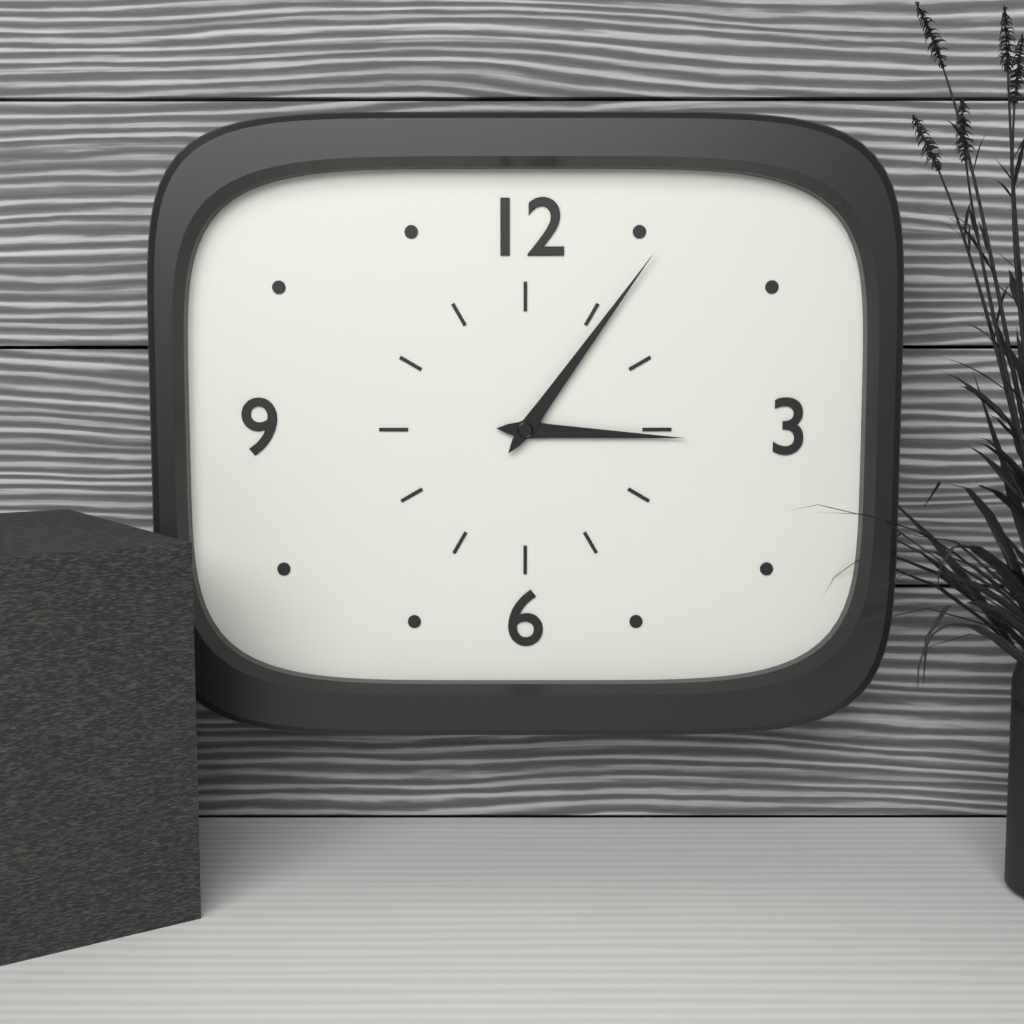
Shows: h=3 m=6
